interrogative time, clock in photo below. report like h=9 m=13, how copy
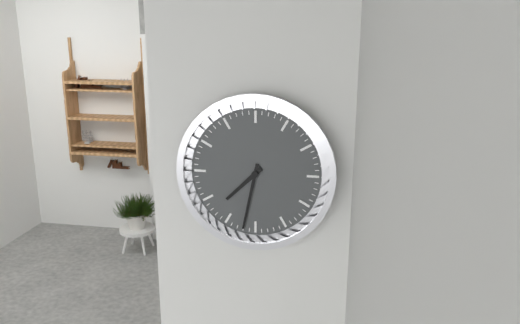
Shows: h=7 m=32
